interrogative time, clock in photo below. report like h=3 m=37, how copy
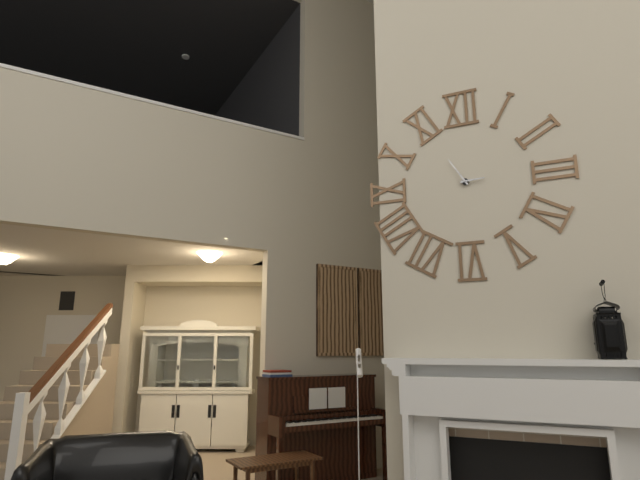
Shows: h=2 m=55
